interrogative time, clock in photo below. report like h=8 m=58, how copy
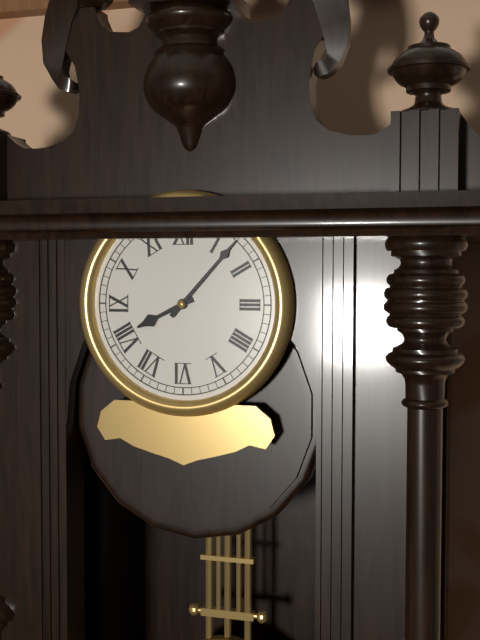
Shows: h=8 m=7
